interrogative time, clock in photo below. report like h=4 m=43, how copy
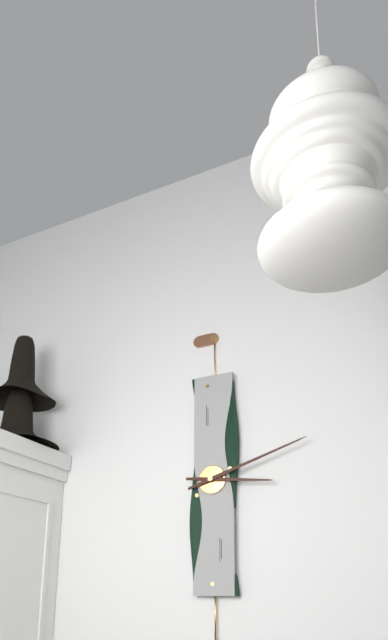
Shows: h=3 m=12
